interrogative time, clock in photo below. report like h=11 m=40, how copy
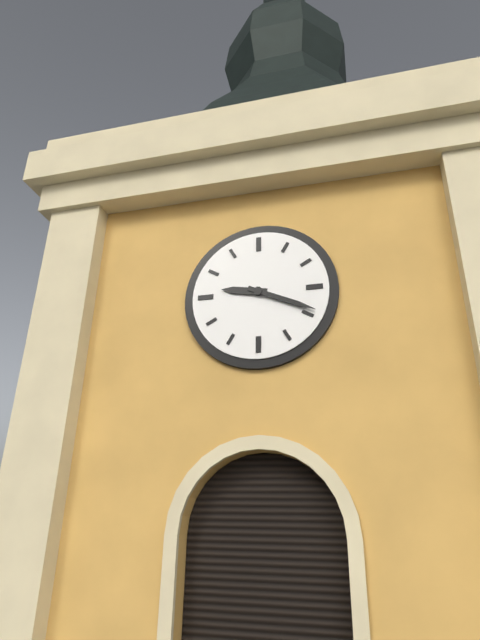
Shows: h=9 m=19
